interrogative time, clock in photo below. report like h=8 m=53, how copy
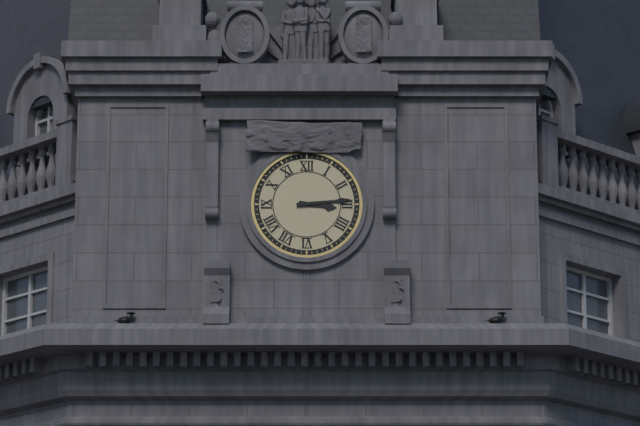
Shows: h=3 m=14
